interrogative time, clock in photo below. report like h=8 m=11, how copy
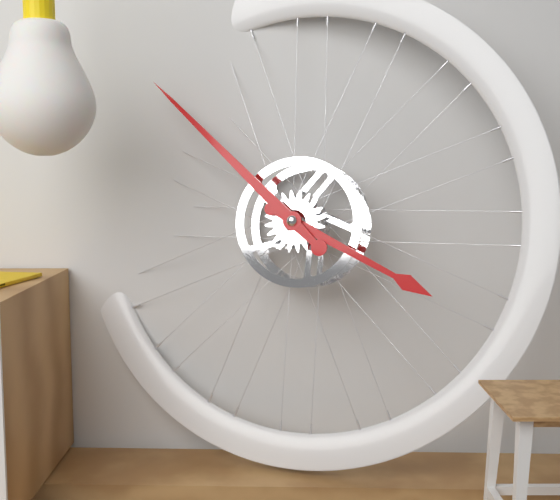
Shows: h=3 m=52
